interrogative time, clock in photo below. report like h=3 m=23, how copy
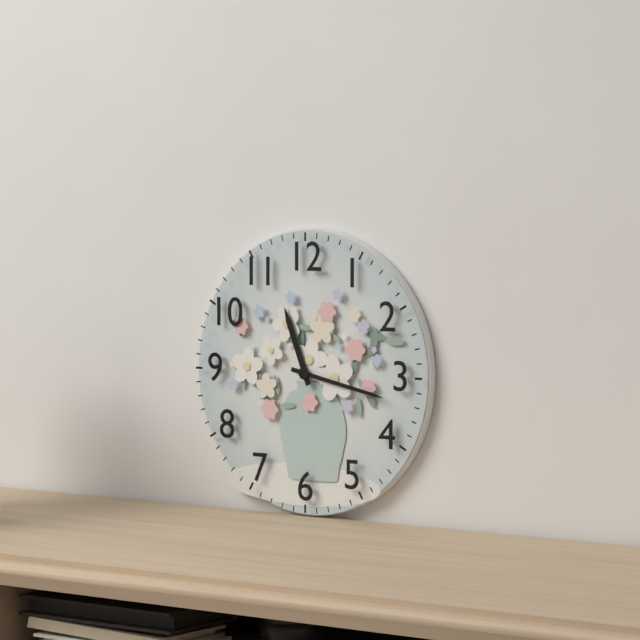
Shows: h=11 m=17
